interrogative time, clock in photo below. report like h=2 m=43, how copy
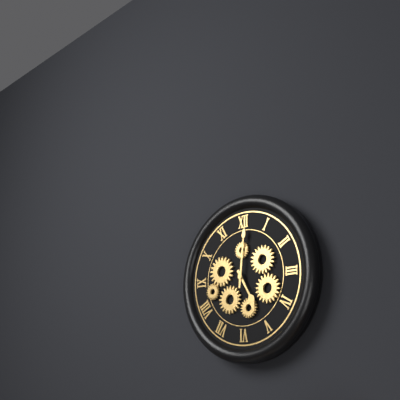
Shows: h=5 m=1
